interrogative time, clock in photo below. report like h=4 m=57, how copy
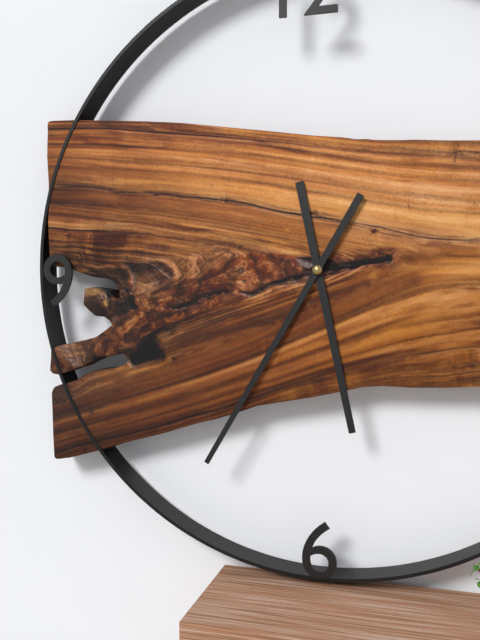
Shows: h=5 m=35
